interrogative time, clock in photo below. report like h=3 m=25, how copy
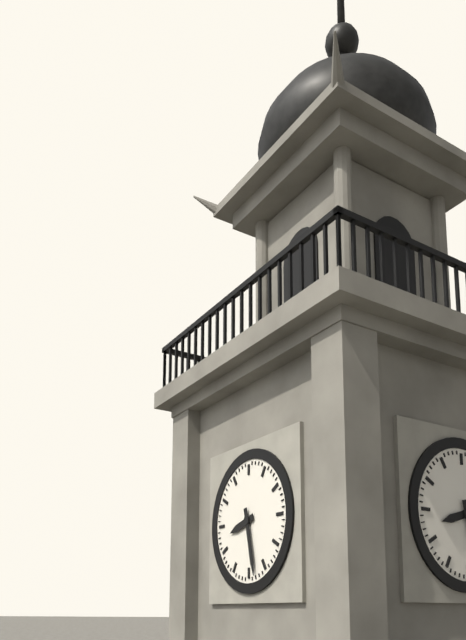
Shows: h=8 m=28
